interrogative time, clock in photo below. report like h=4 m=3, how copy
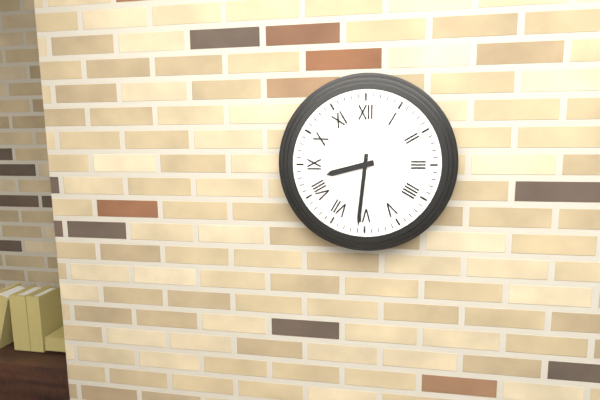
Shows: h=8 m=31
